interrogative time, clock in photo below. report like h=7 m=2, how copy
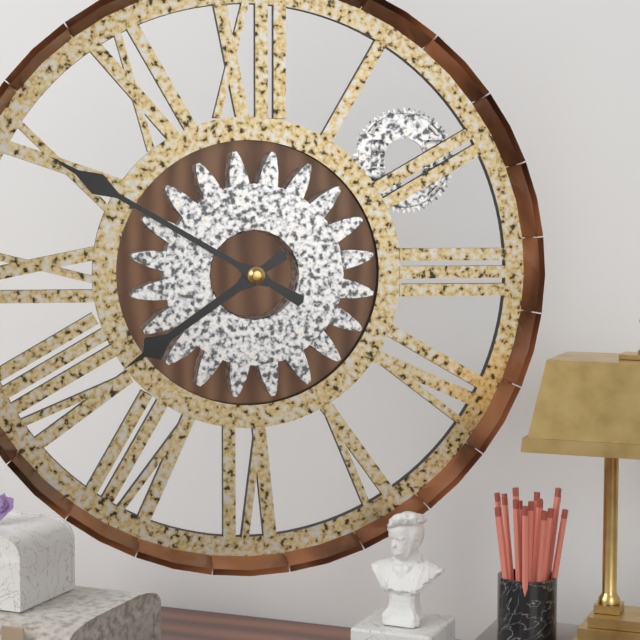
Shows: h=7 m=50
